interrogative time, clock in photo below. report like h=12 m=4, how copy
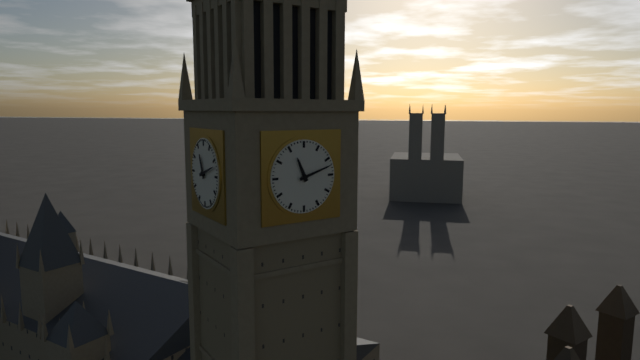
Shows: h=11 m=12
